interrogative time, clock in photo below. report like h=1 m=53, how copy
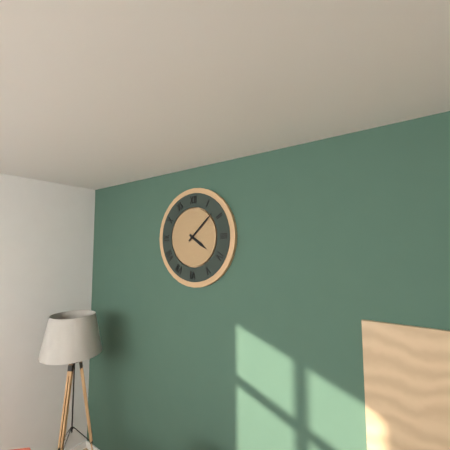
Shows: h=4 m=8
